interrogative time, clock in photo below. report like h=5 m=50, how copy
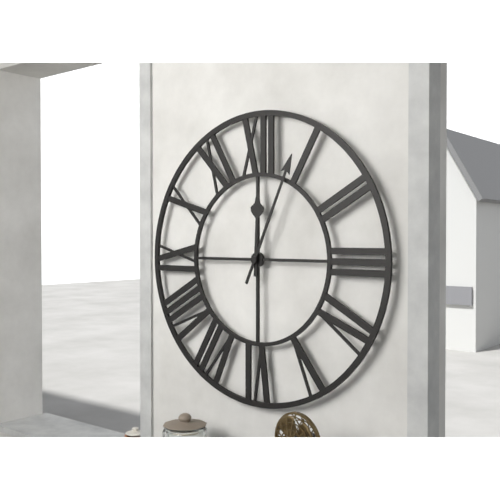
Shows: h=12 m=4
